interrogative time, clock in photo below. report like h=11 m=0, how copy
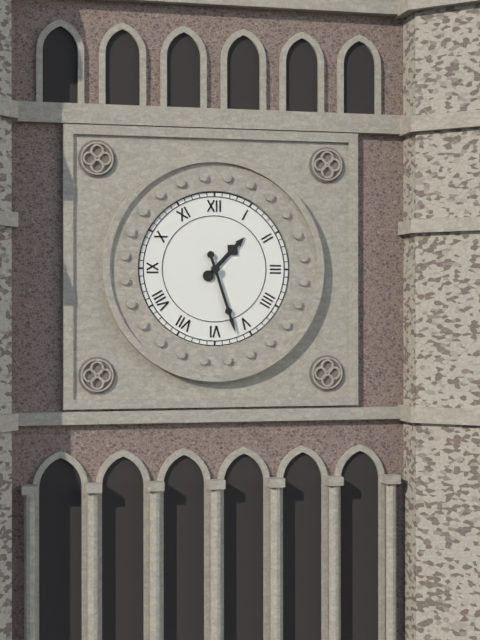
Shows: h=1 m=27
